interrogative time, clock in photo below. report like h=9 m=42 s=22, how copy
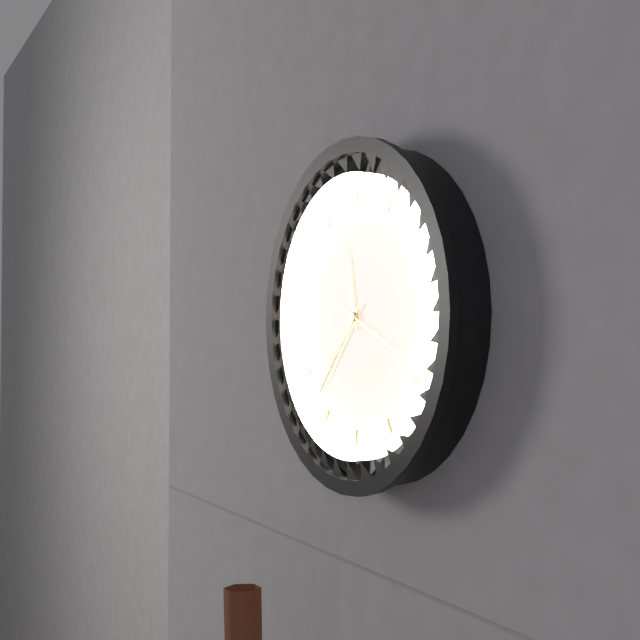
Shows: h=11 m=37 s=19
